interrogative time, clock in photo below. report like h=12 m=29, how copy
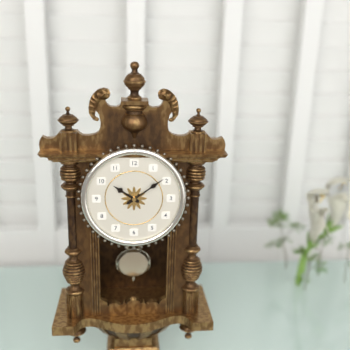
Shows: h=10 m=9
